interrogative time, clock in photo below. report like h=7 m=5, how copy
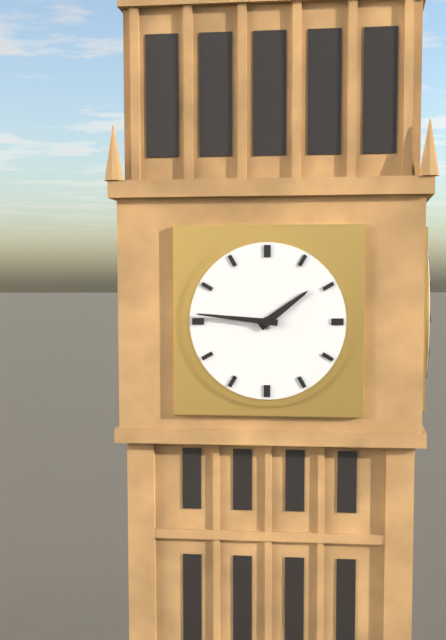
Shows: h=1 m=46
